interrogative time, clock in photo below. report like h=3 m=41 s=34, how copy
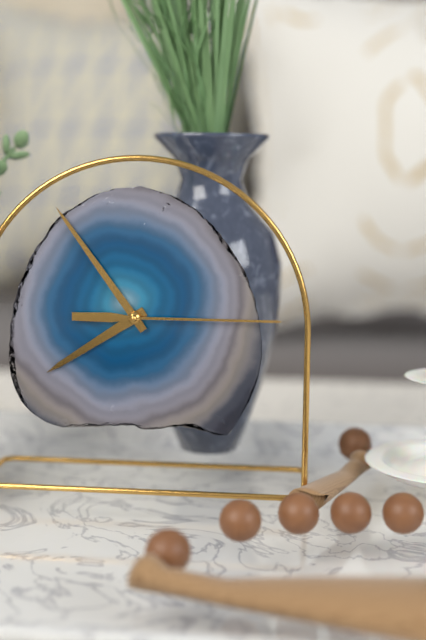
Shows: h=7 m=54 s=15
